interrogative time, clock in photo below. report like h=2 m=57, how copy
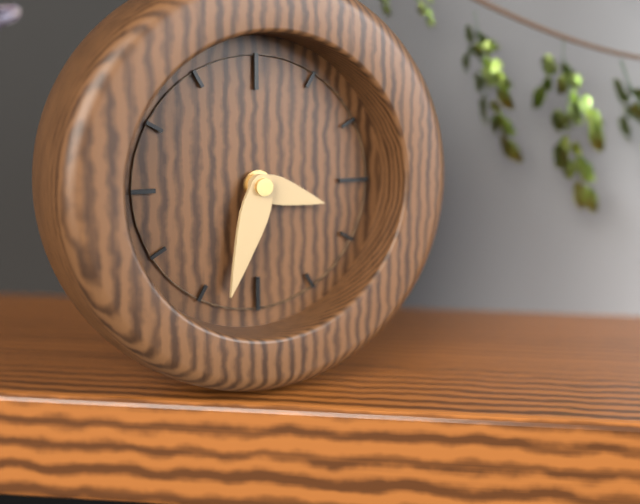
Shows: h=3 m=33
